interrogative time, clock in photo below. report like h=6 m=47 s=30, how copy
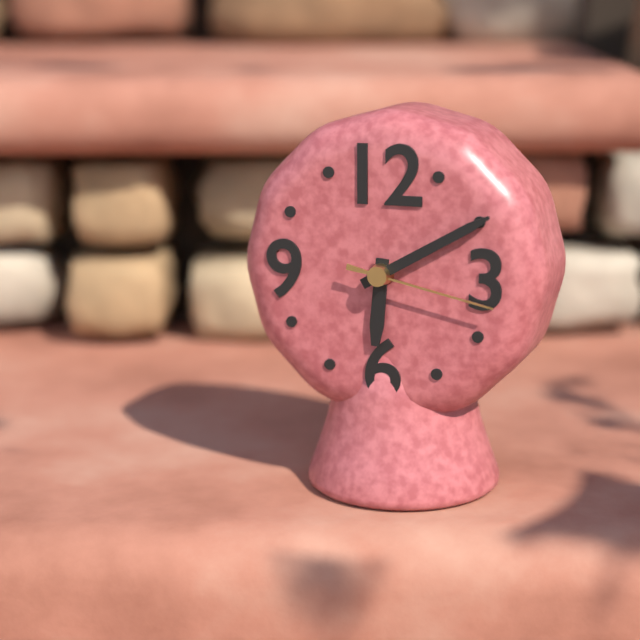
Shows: h=6 m=10 s=17
